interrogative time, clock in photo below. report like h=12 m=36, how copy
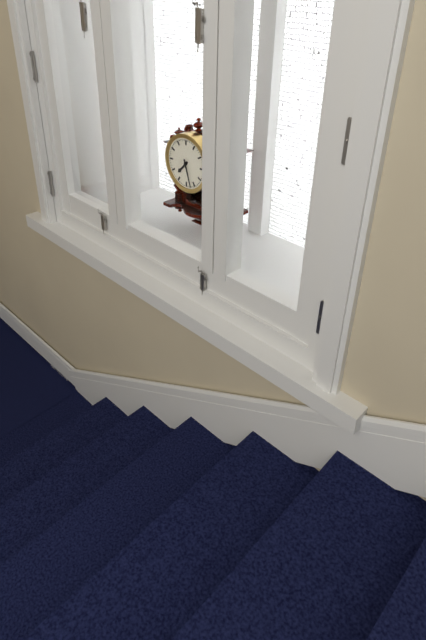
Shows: h=7 m=27
